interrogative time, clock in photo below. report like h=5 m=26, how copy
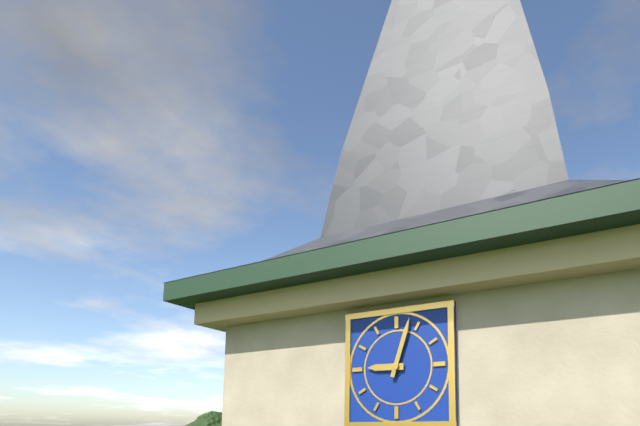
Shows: h=9 m=3
